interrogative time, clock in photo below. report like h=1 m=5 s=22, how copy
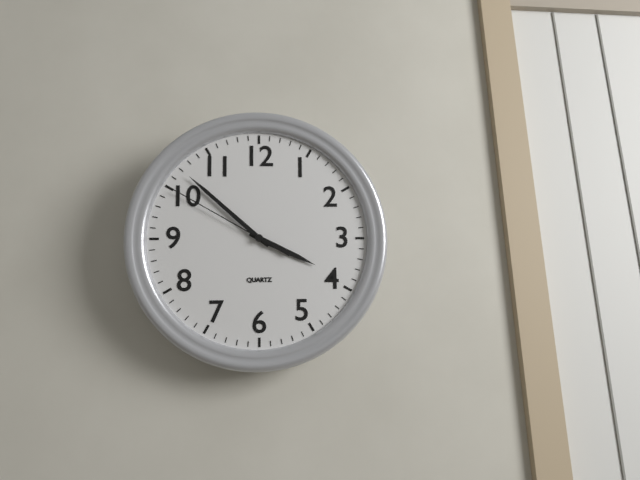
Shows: h=3 m=52 s=50
